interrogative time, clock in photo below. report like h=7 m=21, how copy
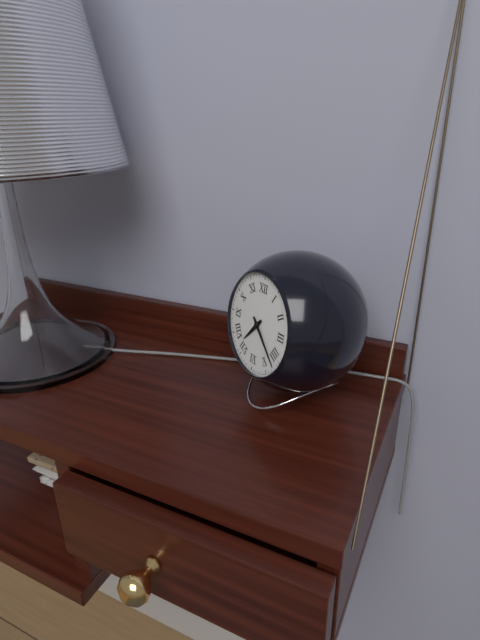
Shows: h=7 m=22
